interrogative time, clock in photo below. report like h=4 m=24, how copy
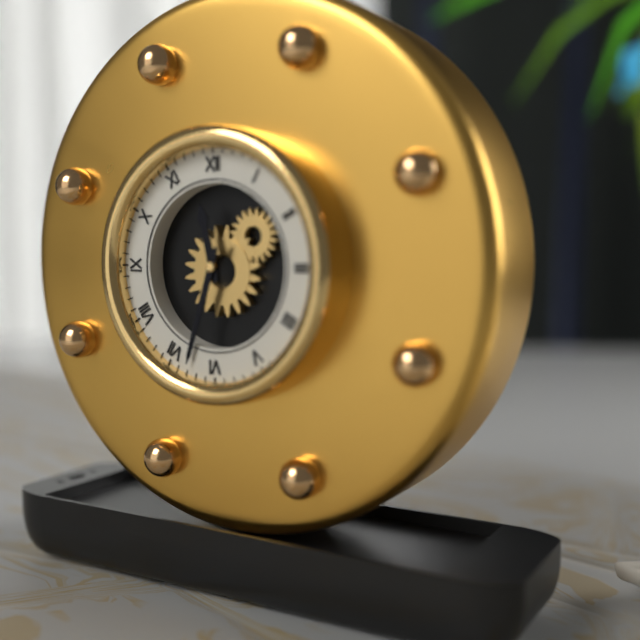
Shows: h=11 m=33
